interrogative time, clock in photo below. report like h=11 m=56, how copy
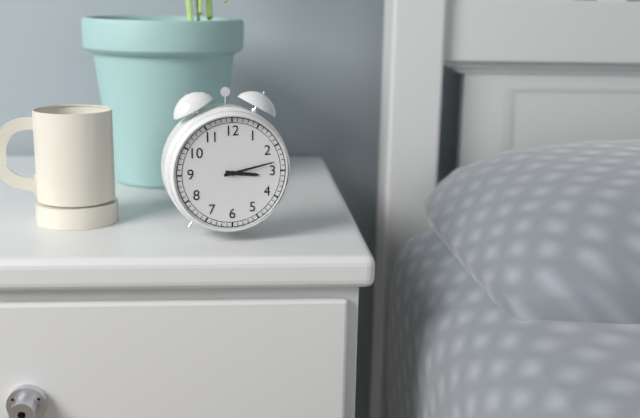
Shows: h=3 m=13
